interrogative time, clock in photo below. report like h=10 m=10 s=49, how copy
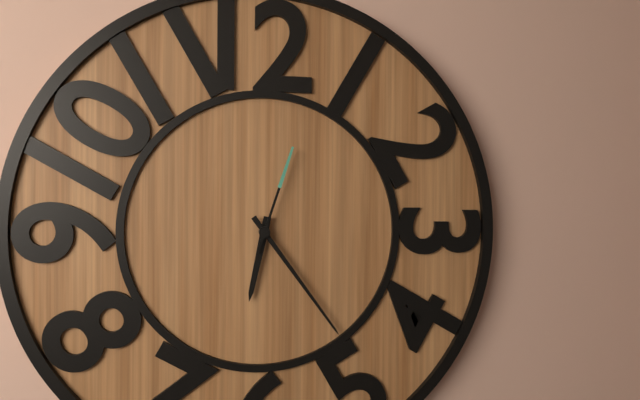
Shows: h=6 m=24 s=3
